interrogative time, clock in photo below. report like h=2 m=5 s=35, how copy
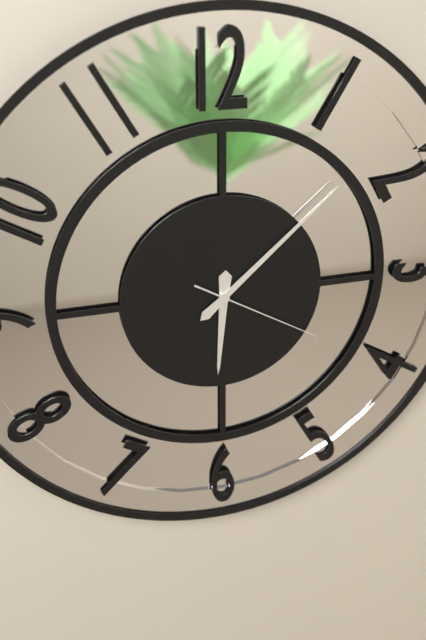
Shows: h=6 m=8 s=20
